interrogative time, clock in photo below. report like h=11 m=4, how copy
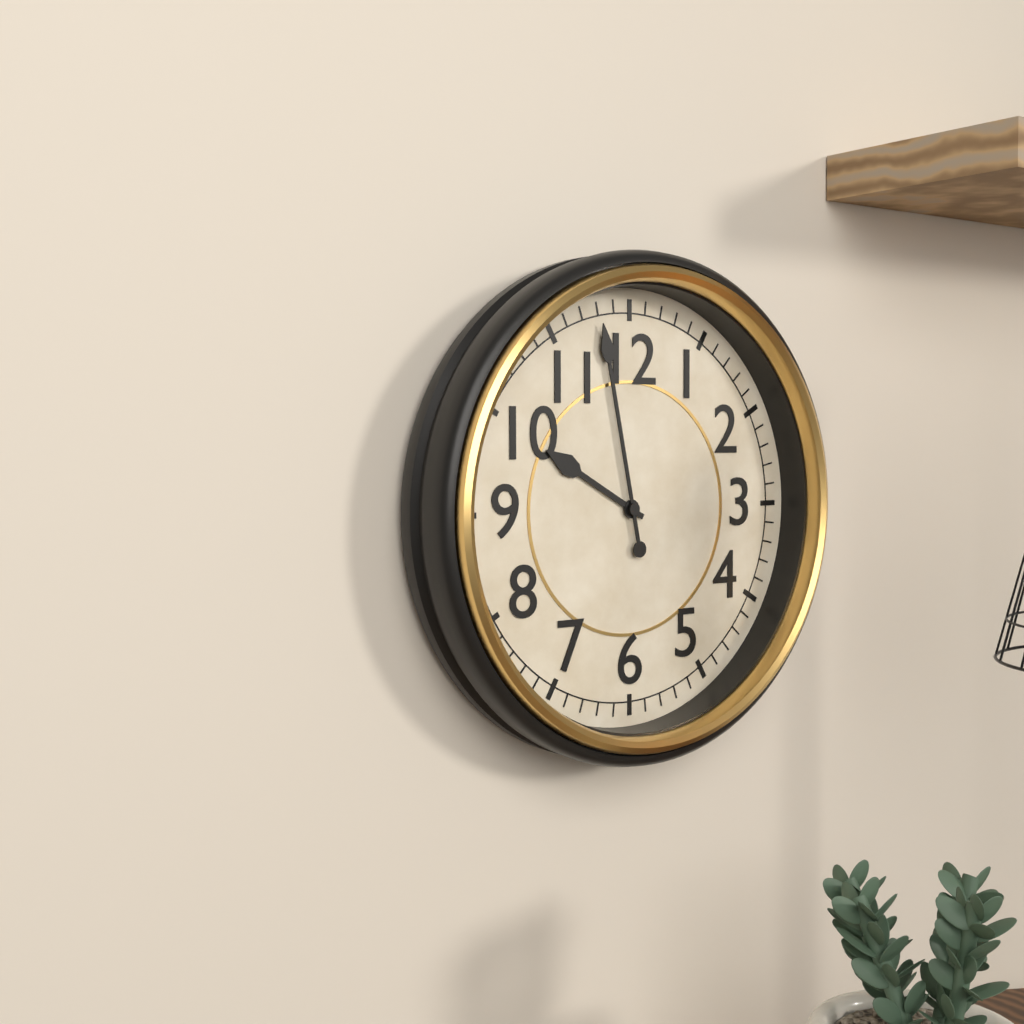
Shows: h=9 m=58
